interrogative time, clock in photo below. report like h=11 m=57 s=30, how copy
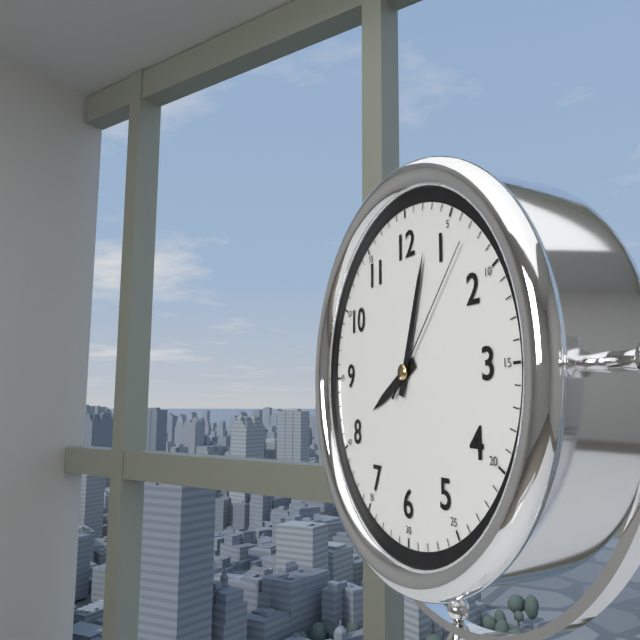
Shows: h=8 m=3 s=7
